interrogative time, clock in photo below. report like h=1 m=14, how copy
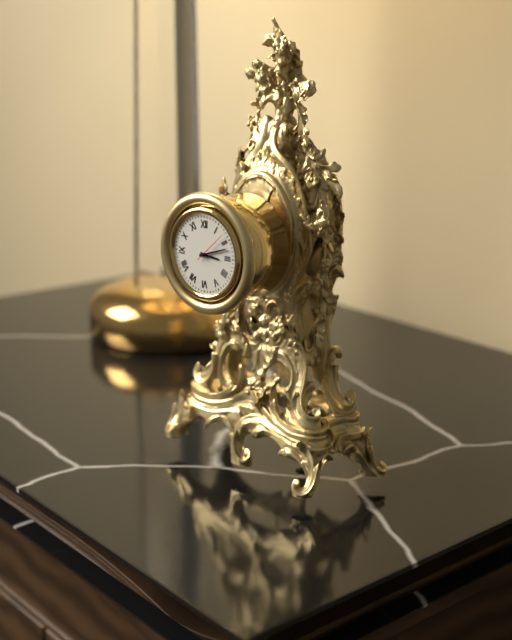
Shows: h=3 m=12
